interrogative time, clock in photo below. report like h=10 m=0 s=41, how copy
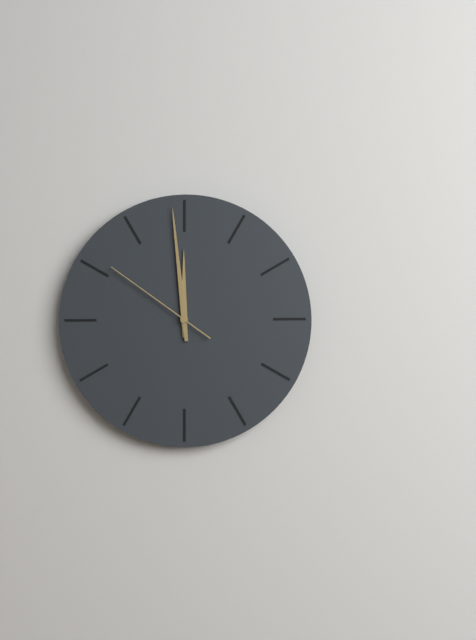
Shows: h=11 m=59 s=51
